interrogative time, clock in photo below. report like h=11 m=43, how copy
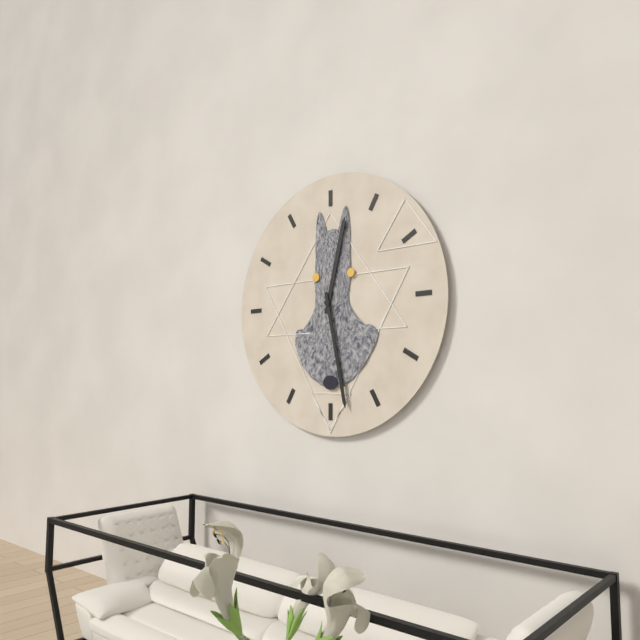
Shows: h=12 m=28
